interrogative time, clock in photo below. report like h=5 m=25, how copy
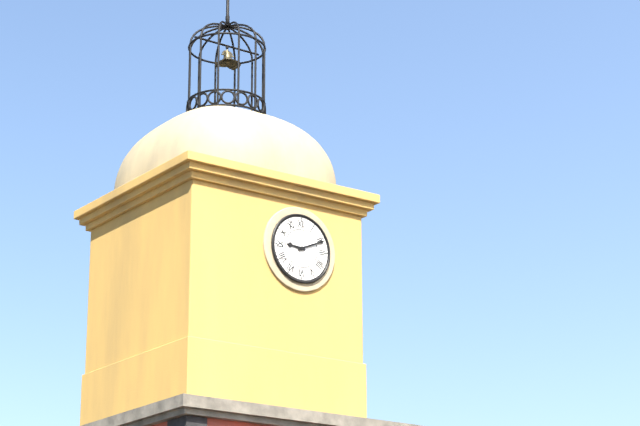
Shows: h=9 m=11
